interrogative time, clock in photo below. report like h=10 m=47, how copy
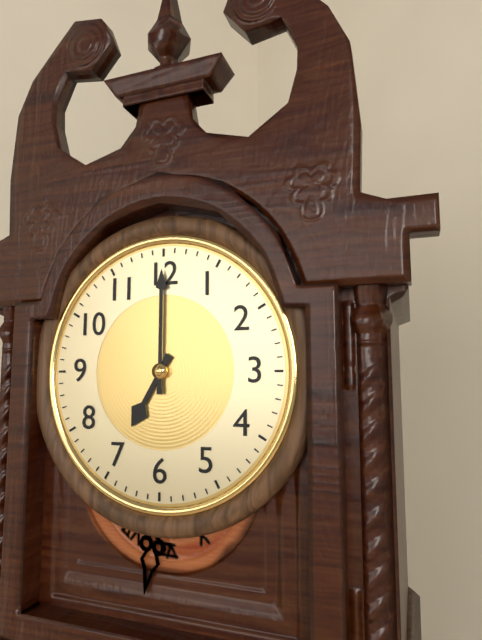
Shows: h=7 m=0
